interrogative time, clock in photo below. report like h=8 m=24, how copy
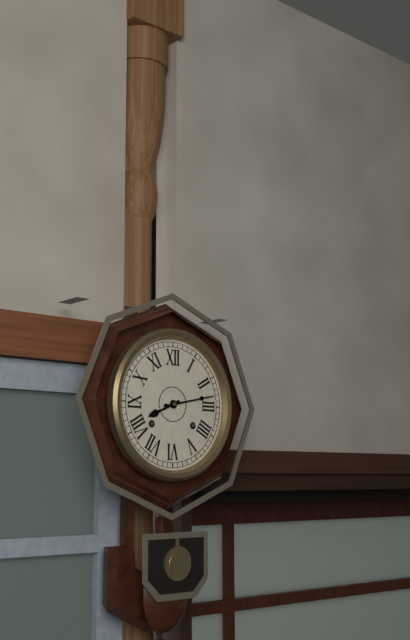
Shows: h=8 m=13
